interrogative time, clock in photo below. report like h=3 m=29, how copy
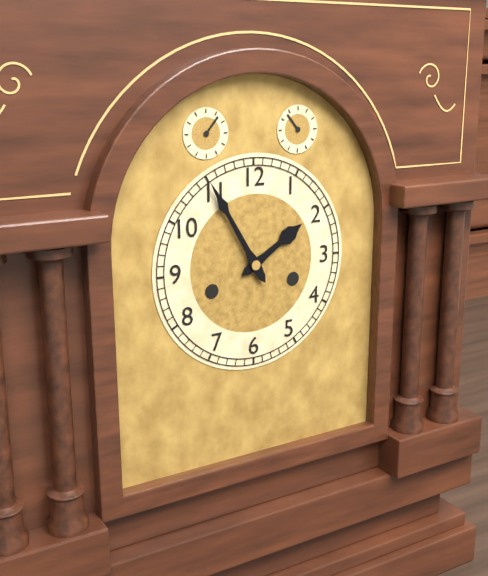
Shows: h=1 m=55
